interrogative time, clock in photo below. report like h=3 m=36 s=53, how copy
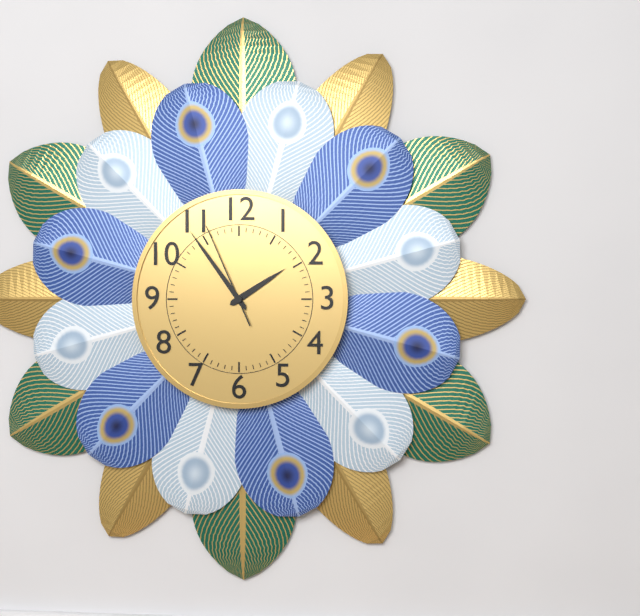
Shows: h=1 m=54 s=56
